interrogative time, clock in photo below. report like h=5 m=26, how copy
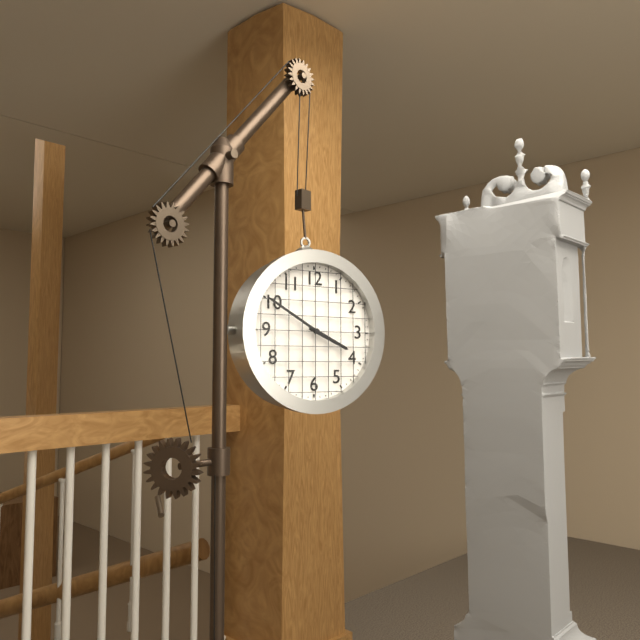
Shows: h=3 m=50
